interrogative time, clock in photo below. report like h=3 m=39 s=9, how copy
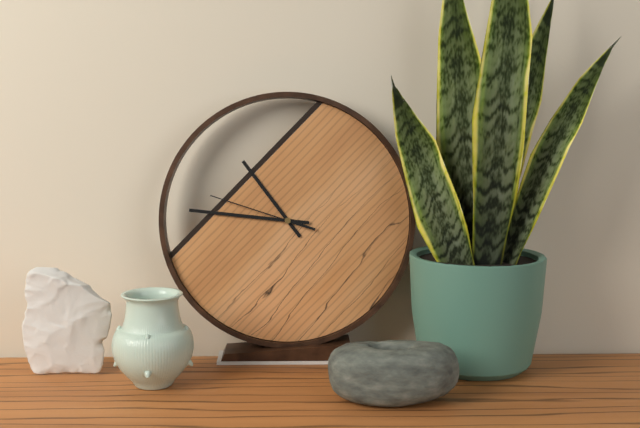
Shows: h=10 m=46 s=48
